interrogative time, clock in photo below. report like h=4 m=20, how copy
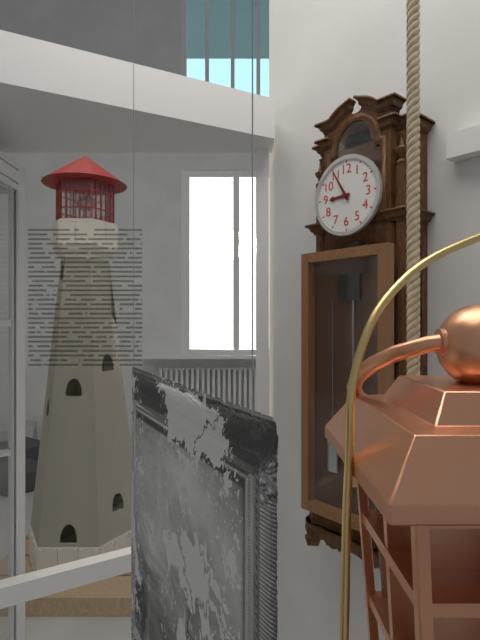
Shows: h=8 m=55
